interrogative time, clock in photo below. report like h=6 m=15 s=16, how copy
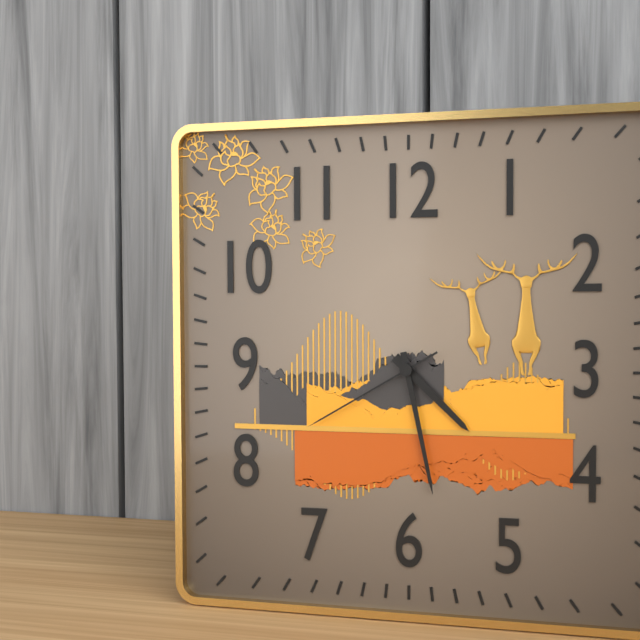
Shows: h=4 m=28 s=40
